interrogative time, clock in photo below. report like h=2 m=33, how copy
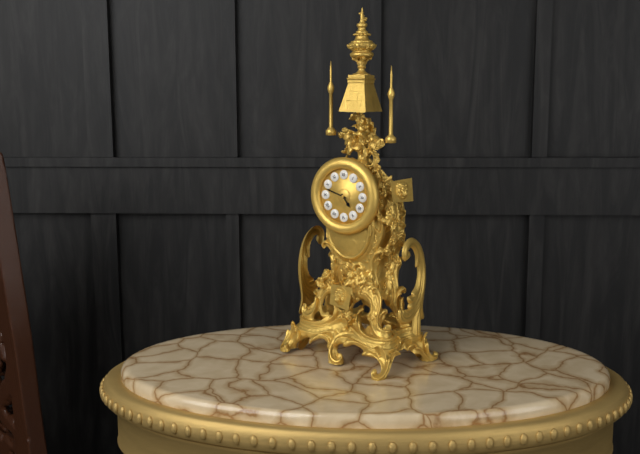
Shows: h=4 m=48
